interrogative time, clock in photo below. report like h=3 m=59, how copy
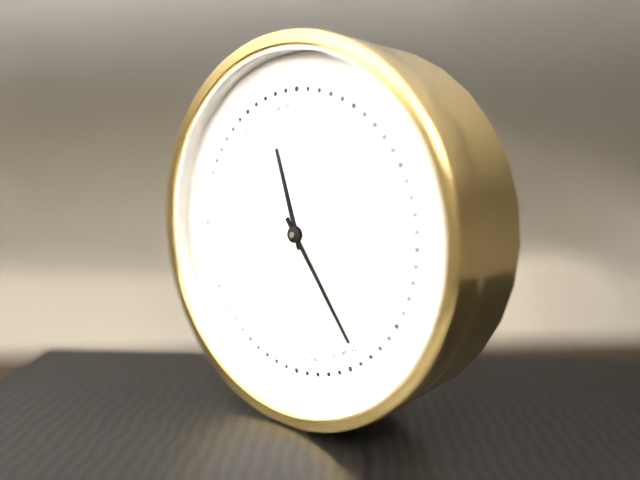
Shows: h=11 m=24
